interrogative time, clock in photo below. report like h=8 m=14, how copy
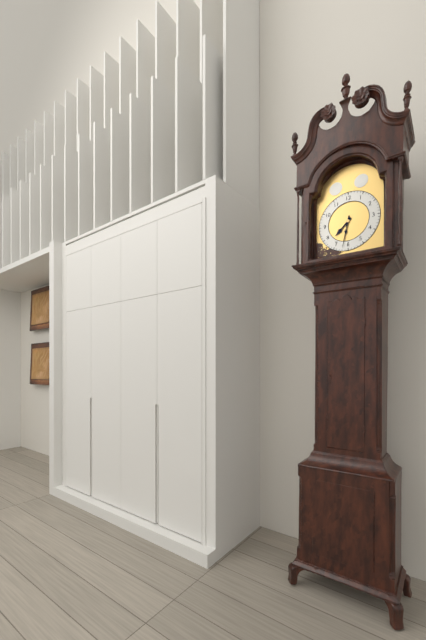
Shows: h=7 m=32
